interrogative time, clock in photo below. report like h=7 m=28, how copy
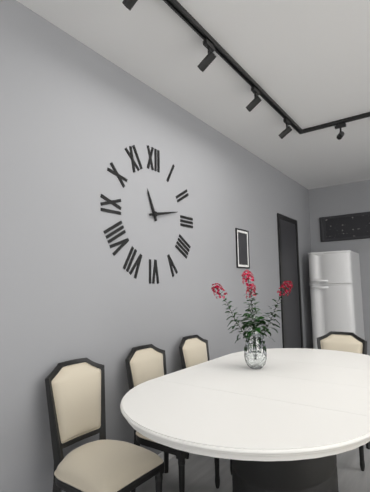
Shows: h=11 m=13
